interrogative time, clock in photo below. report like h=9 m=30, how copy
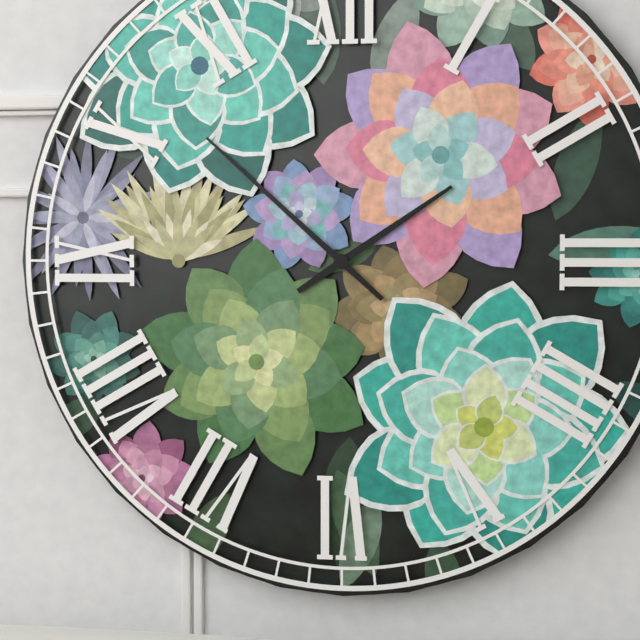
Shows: h=1 m=52
